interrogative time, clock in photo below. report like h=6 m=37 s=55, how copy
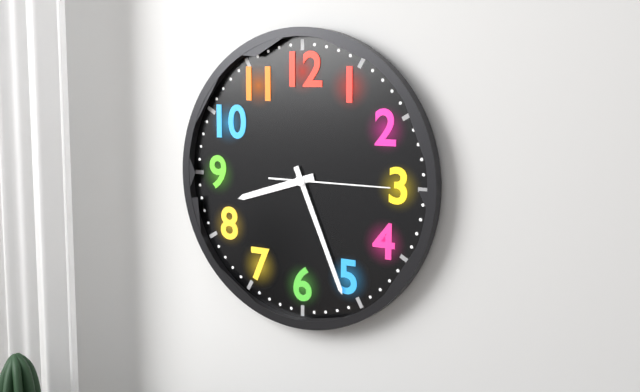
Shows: h=8 m=26 s=15
